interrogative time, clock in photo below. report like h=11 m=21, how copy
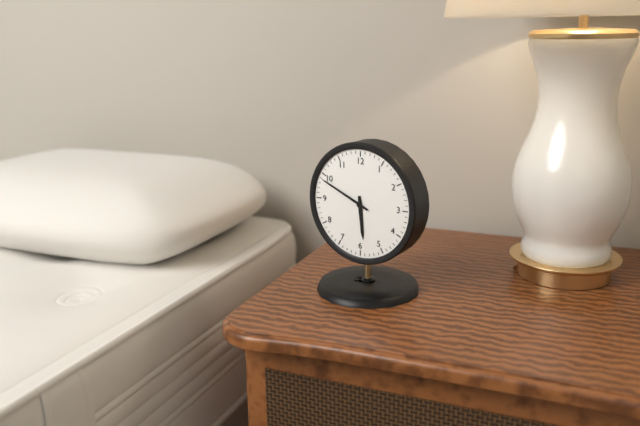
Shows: h=5 m=49
